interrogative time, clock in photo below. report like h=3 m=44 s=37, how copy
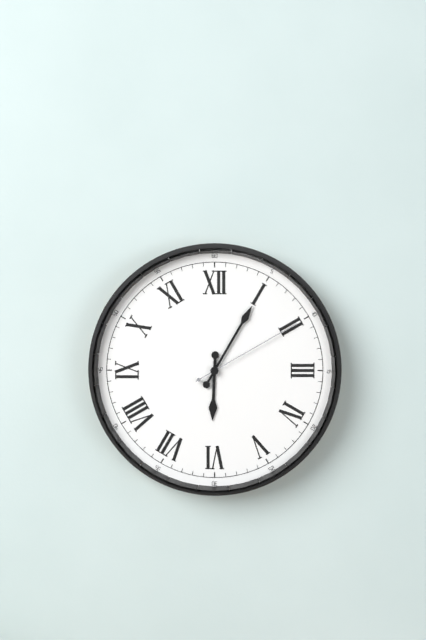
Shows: h=6 m=5 s=10
